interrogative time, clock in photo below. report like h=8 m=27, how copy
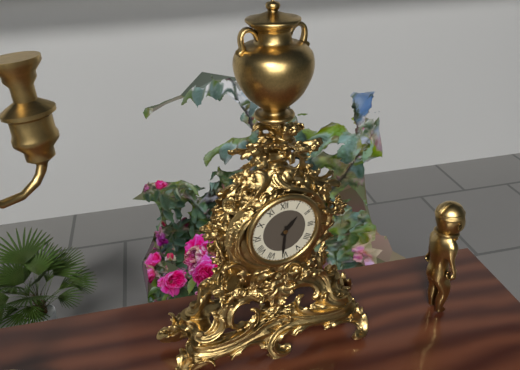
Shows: h=1 m=31
